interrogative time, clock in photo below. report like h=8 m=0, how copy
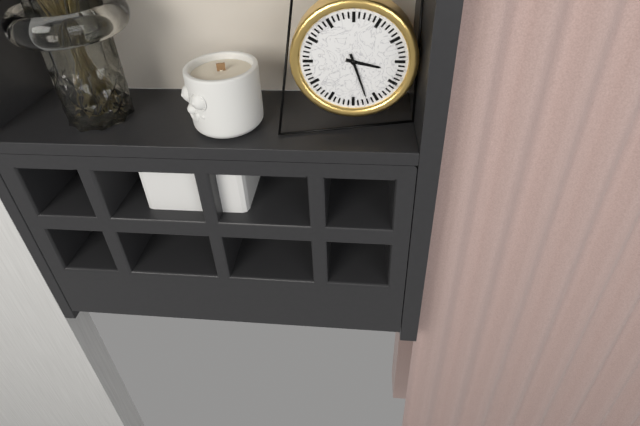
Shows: h=3 m=27
